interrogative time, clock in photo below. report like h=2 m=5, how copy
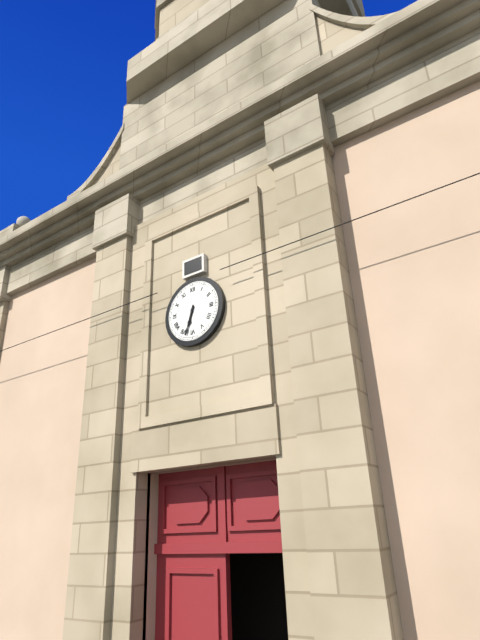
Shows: h=6 m=33
